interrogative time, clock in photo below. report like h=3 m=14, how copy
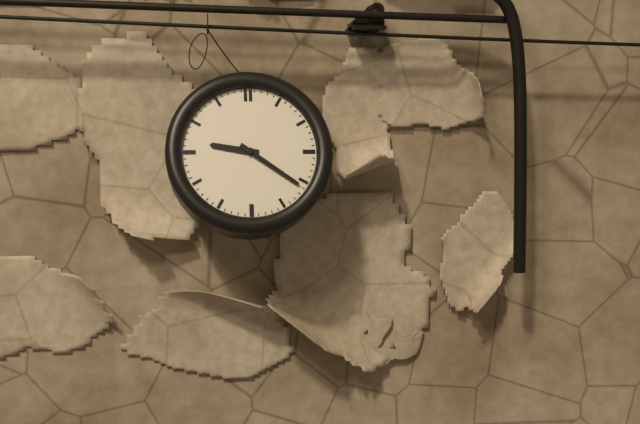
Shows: h=9 m=21
